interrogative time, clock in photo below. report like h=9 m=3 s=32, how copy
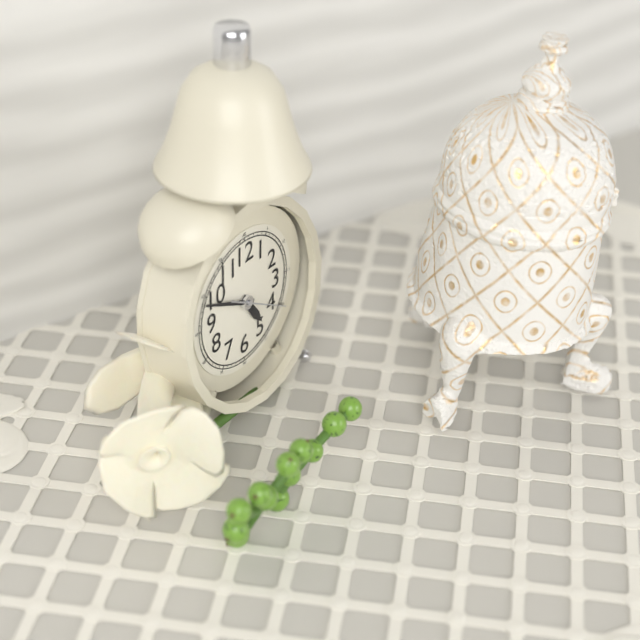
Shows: h=4 m=49 s=20
